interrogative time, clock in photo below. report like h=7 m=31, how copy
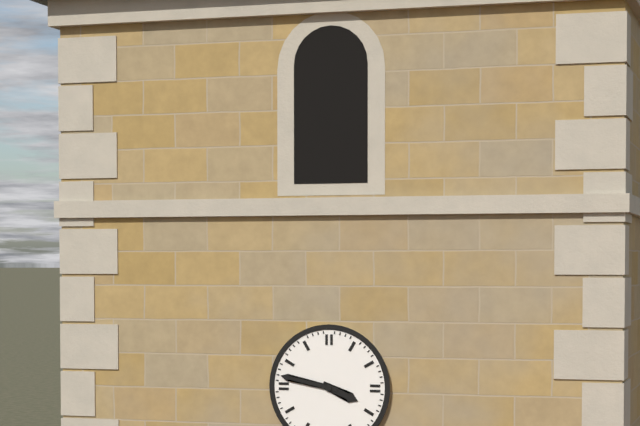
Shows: h=3 m=47
